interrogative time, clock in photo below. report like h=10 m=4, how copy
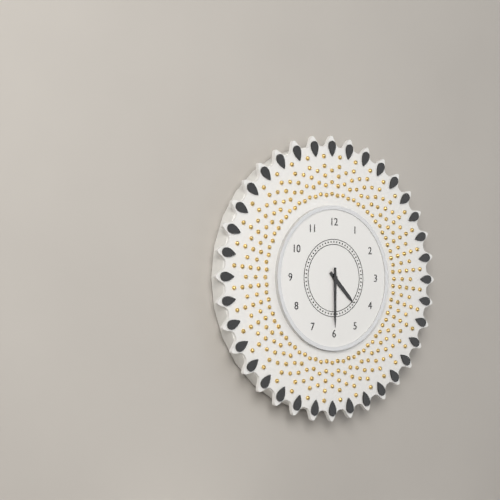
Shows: h=4 m=30
